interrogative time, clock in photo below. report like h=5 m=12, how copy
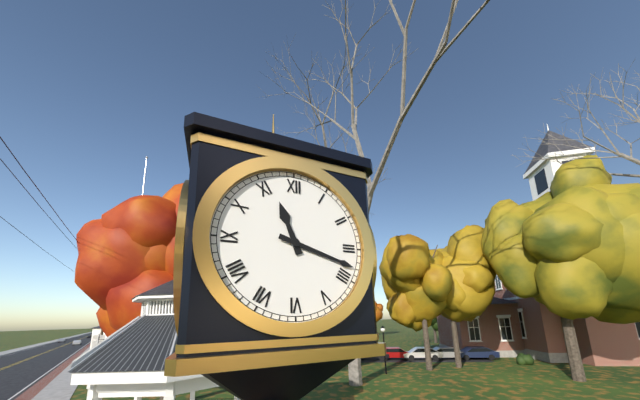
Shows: h=11 m=18
